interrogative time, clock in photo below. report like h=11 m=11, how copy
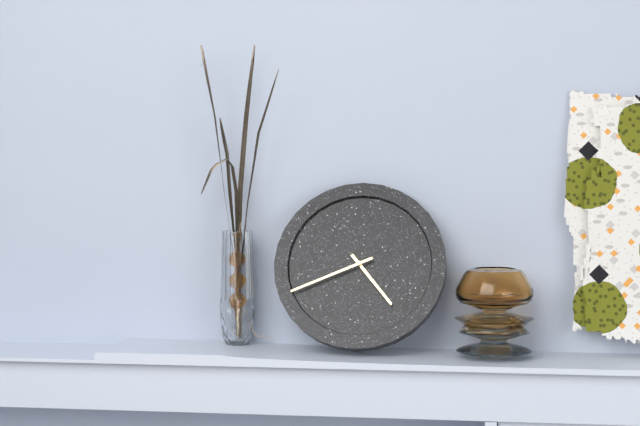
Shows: h=4 m=41
